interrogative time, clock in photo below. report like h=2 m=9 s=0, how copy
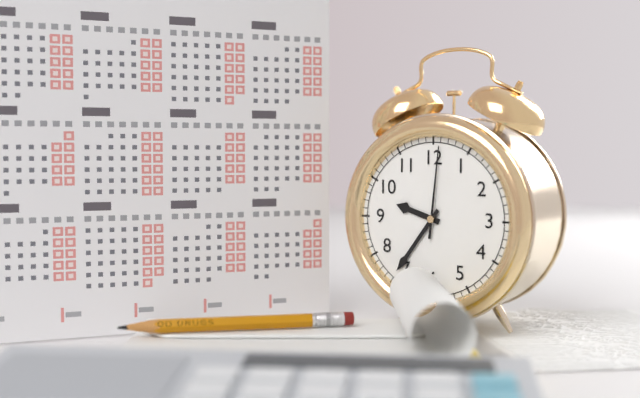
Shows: h=9 m=36 s=1
